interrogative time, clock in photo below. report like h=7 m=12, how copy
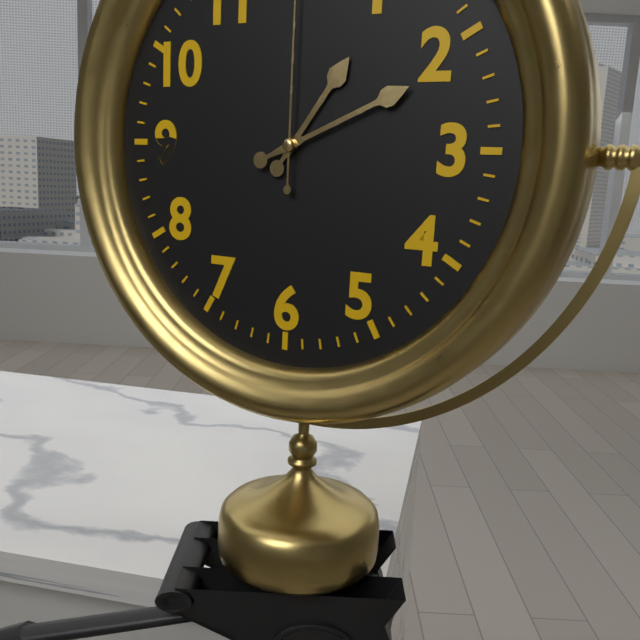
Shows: h=1 m=11
